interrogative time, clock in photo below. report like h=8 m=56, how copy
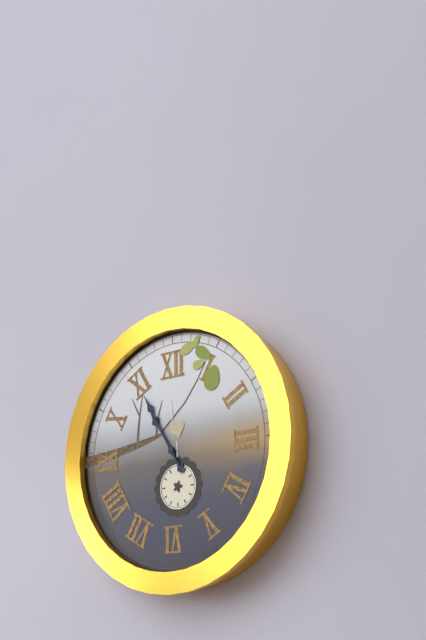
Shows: h=10 m=55
